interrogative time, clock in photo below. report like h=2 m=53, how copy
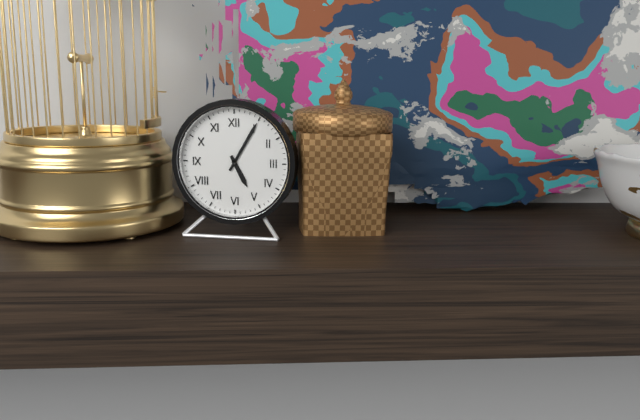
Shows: h=5 m=5
